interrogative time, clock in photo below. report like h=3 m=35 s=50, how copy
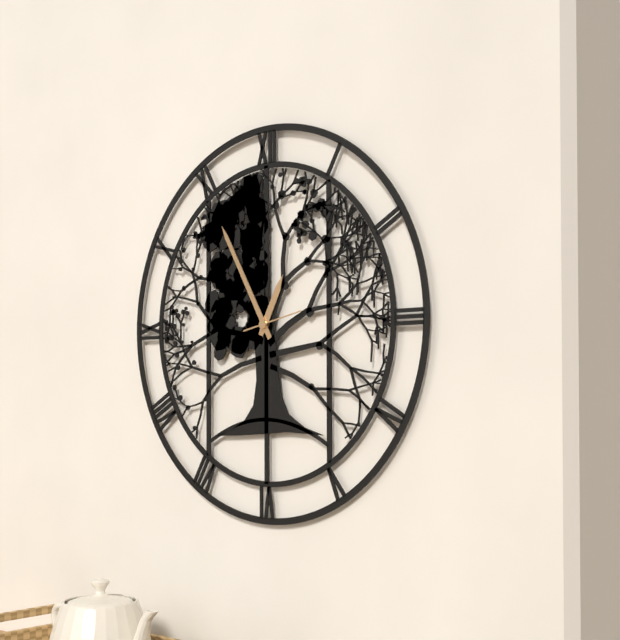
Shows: h=12 m=55 s=13
